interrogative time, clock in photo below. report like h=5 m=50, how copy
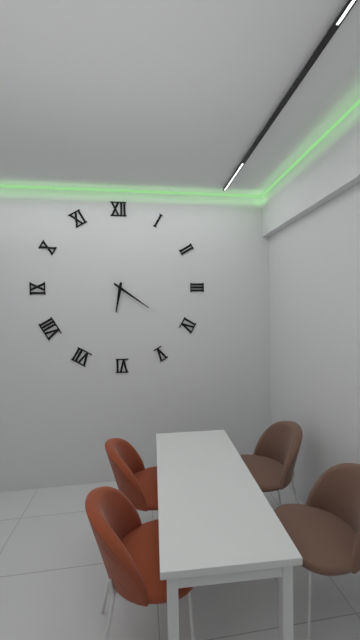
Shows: h=6 m=21
